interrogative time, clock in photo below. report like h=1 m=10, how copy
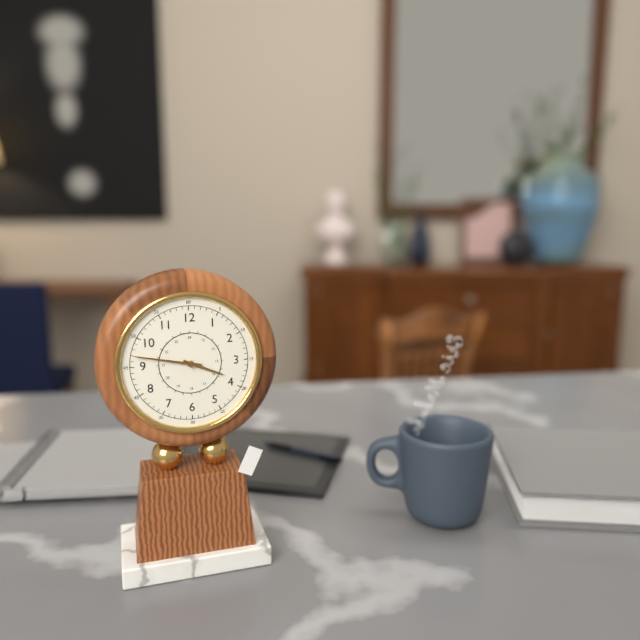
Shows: h=3 m=47
